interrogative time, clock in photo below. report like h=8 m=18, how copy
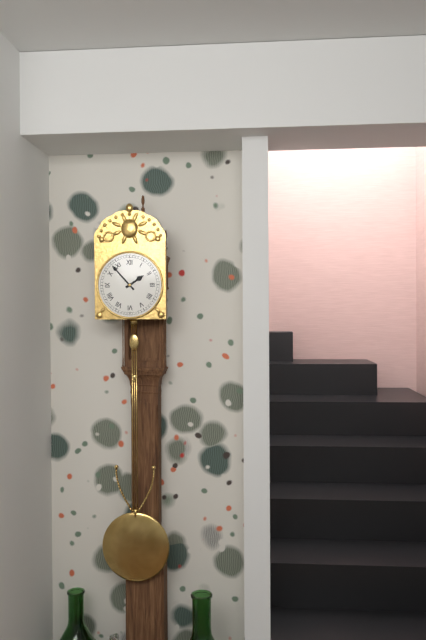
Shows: h=1 m=53
